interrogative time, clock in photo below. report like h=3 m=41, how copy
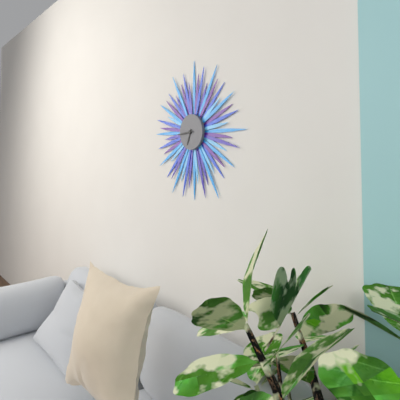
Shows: h=6 m=44
